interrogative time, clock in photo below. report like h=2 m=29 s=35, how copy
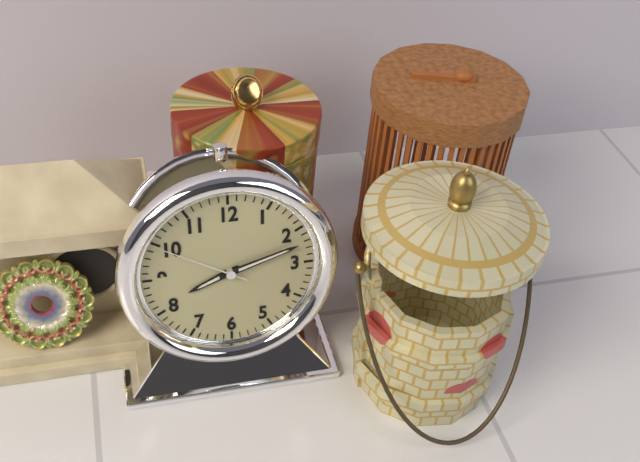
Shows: h=8 m=12 s=50
